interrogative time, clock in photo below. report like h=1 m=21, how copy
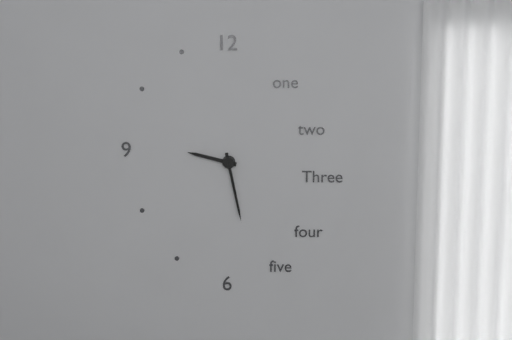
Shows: h=9 m=28
